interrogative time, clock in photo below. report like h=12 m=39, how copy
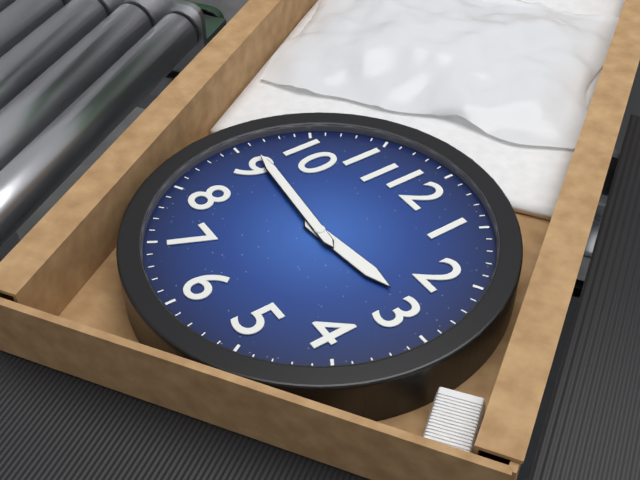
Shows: h=2 m=46
